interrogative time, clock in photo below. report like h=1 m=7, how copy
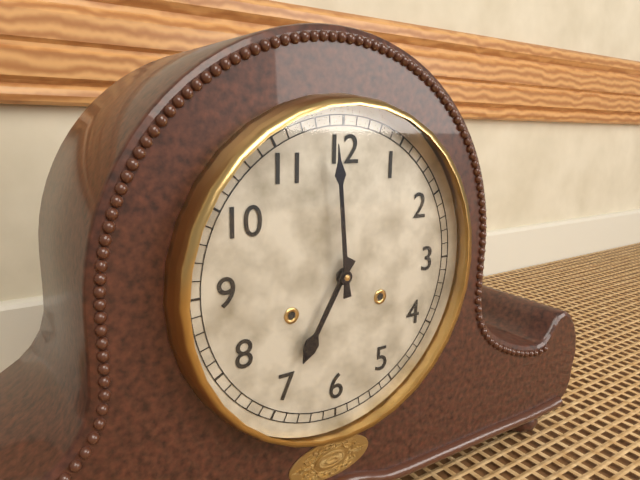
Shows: h=6 m=59
